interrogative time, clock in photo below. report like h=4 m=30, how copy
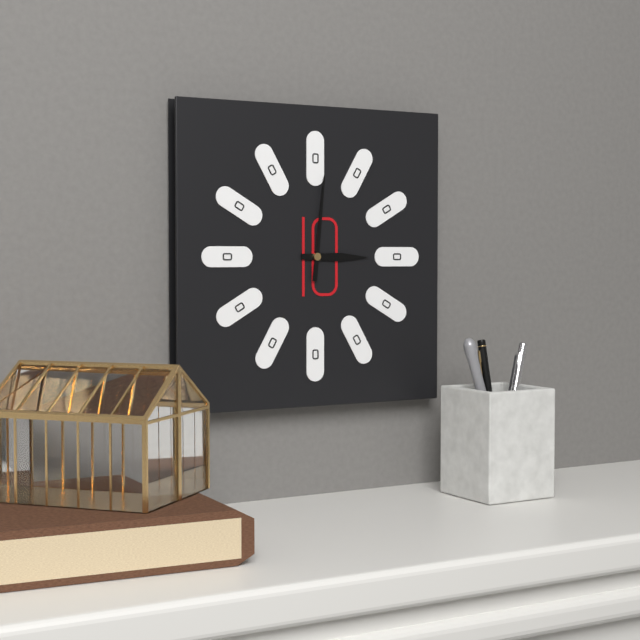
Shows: h=3 m=1
